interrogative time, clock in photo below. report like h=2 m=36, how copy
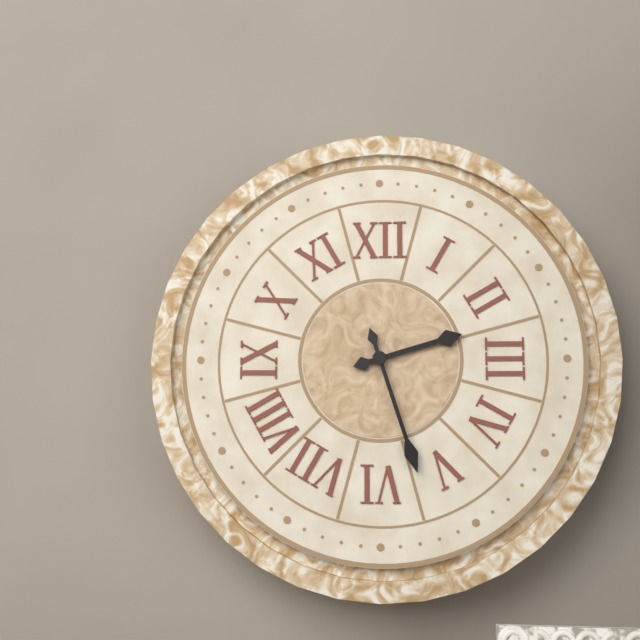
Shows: h=2 m=27
